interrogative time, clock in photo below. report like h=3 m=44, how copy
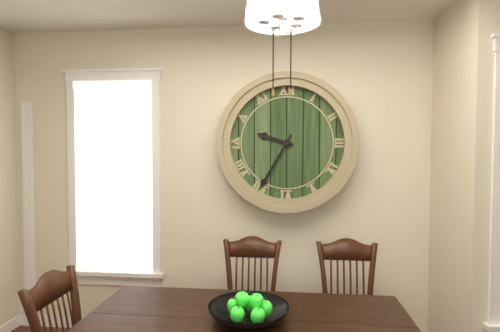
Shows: h=9 m=35
